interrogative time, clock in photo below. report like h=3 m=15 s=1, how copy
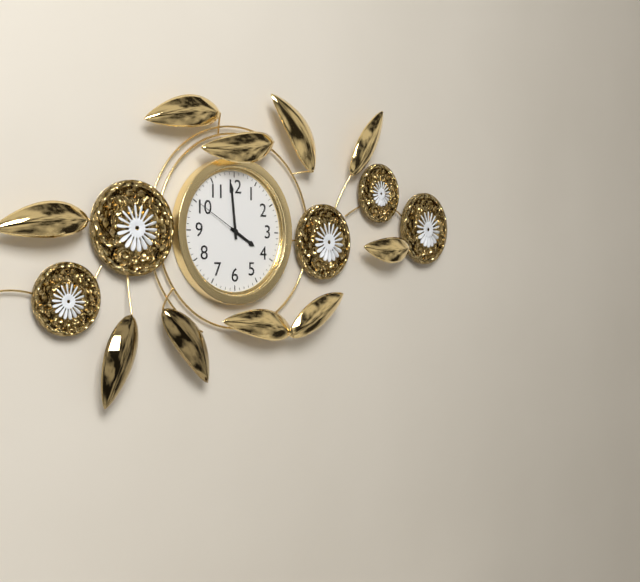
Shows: h=3 m=59 s=50
